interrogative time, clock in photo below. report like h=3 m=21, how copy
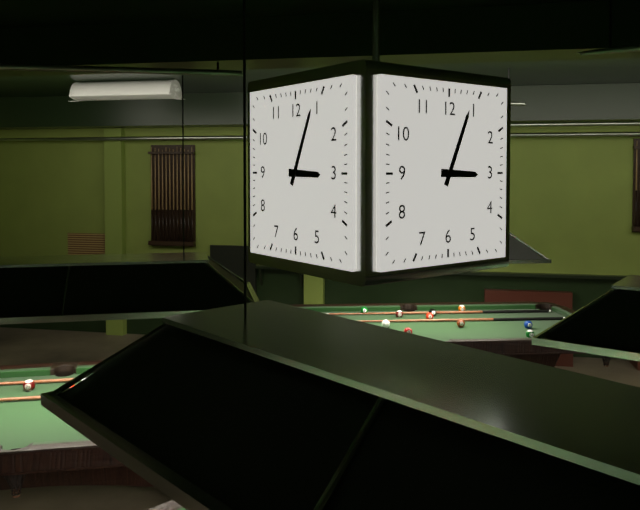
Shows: h=3 m=4
